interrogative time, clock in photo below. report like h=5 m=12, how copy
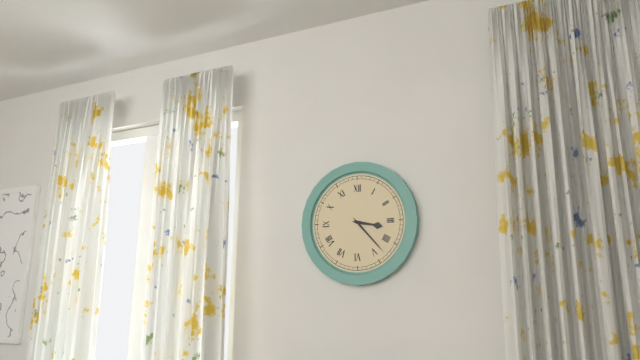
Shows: h=3 m=23
